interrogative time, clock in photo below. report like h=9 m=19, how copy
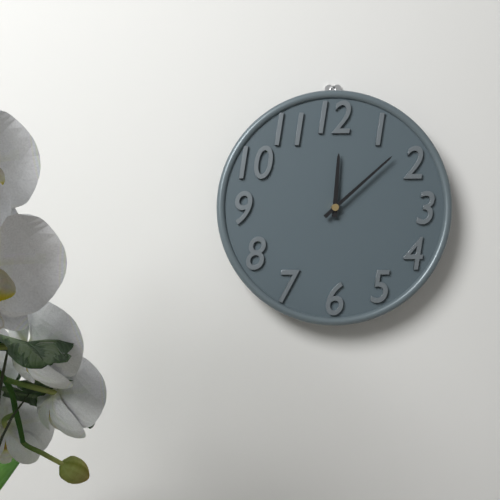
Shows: h=12 m=8
